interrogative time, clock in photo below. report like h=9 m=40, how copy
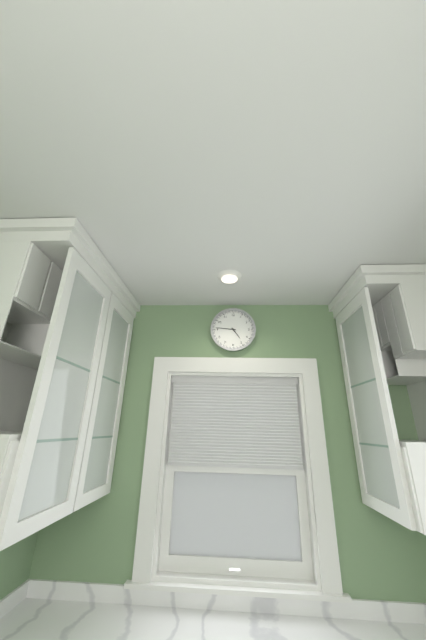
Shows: h=4 m=46
